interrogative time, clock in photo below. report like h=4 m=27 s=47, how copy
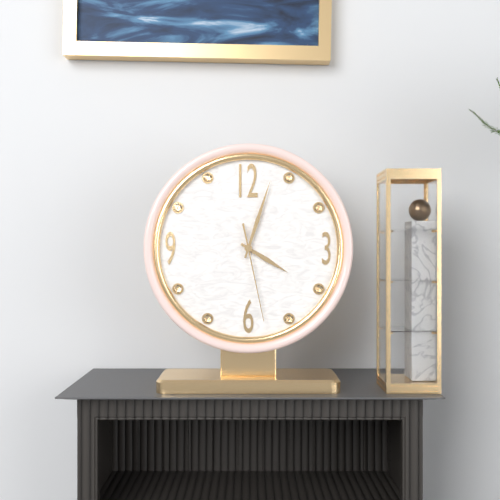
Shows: h=4 m=3 s=28
